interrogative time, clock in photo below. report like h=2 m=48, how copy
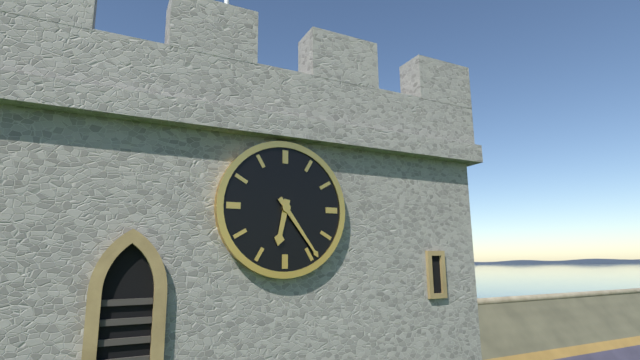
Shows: h=6 m=24
